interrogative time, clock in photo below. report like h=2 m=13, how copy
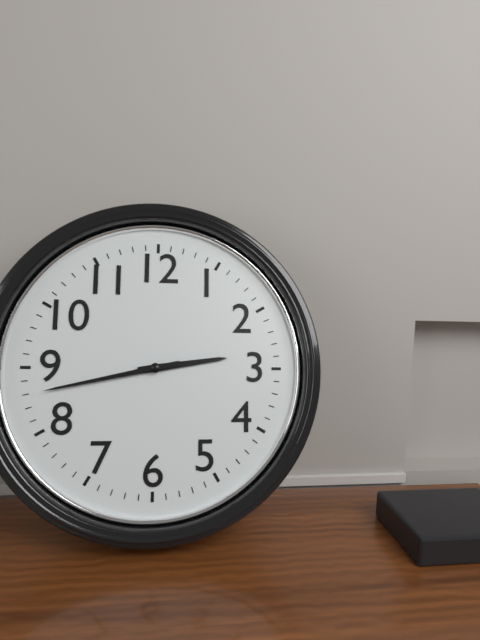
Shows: h=2 m=43
